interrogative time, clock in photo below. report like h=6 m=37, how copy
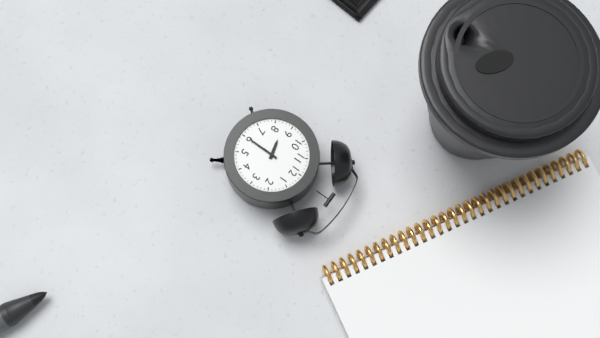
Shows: h=8 m=30
